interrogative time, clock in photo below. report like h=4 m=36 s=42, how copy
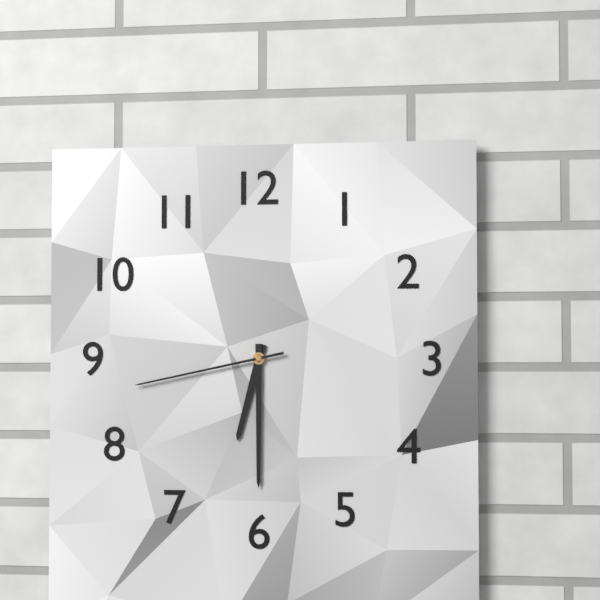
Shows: h=6 m=30 s=43
